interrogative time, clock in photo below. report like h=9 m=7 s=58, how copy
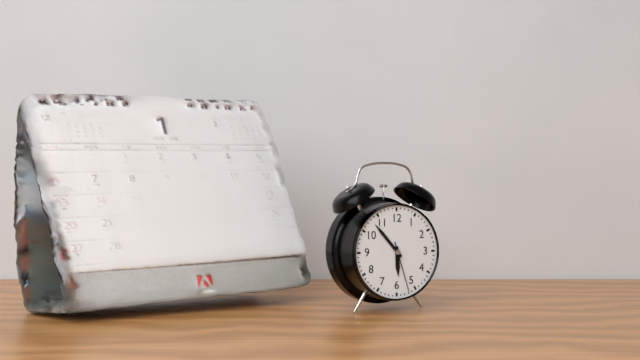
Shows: h=5 m=53 s=27
